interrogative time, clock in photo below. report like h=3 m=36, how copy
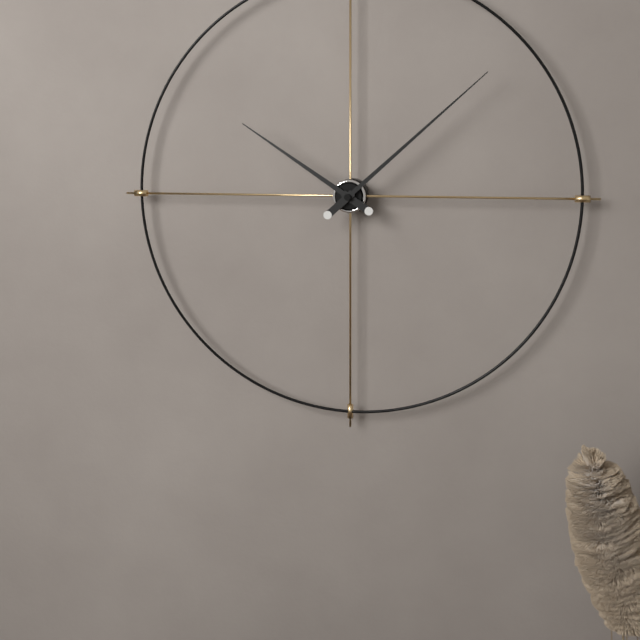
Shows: h=10 m=8
